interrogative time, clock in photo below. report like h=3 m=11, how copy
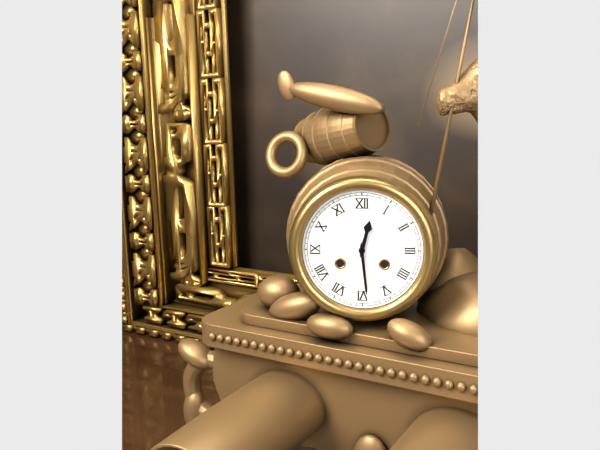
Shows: h=12 m=29
